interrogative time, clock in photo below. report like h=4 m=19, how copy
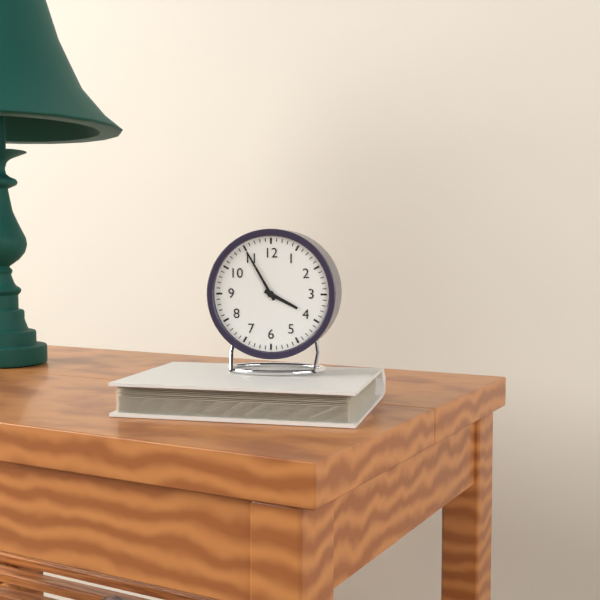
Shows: h=3 m=55
